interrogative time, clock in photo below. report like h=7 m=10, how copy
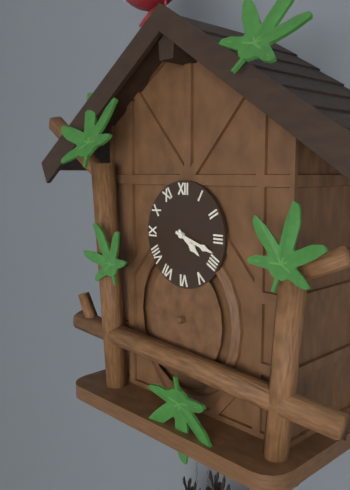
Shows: h=4 m=18
